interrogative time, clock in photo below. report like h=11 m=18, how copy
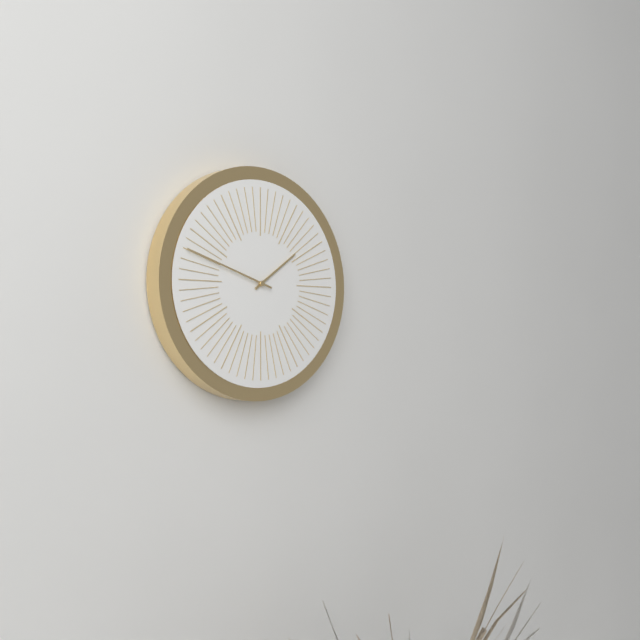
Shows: h=1 m=48
